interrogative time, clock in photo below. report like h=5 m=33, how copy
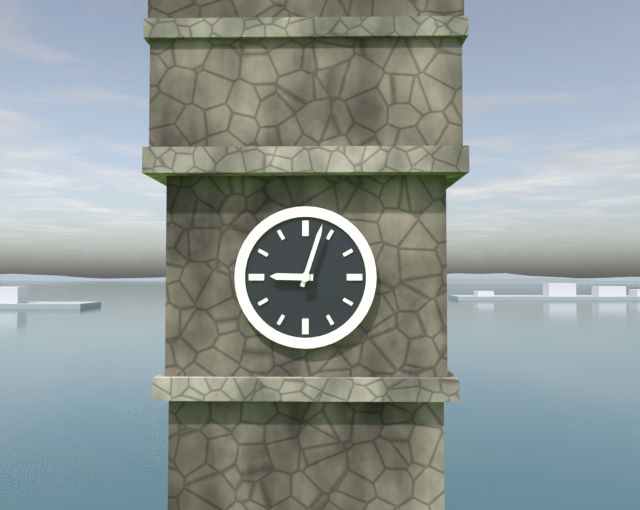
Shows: h=9 m=3
